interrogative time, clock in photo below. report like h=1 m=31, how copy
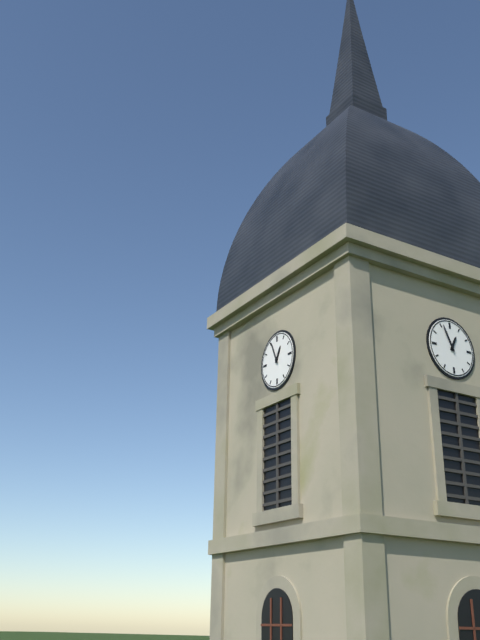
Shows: h=12 m=56
